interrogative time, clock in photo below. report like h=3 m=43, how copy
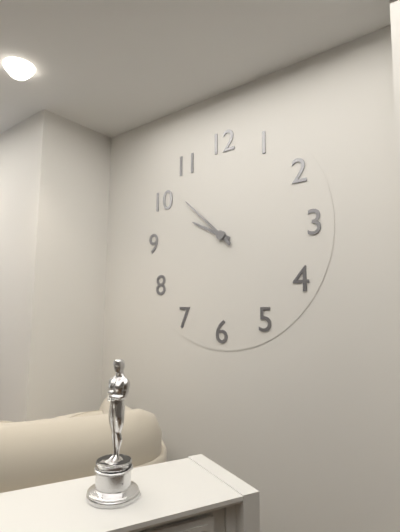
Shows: h=9 m=52
